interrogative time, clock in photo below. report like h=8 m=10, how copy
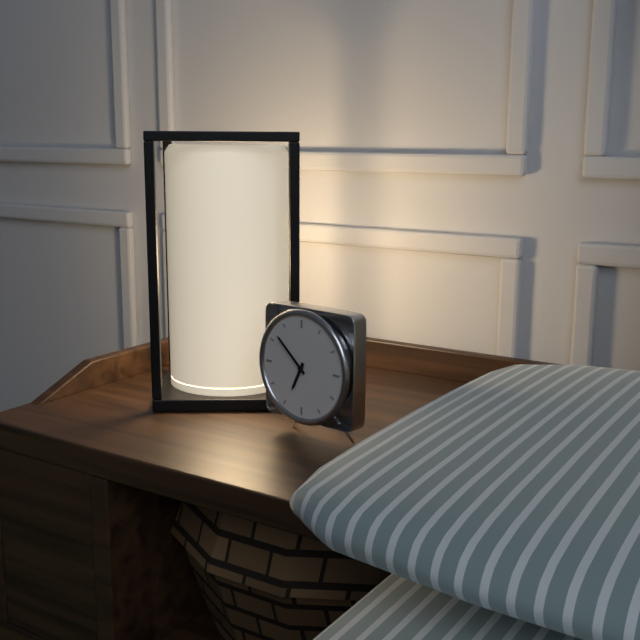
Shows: h=6 m=52
